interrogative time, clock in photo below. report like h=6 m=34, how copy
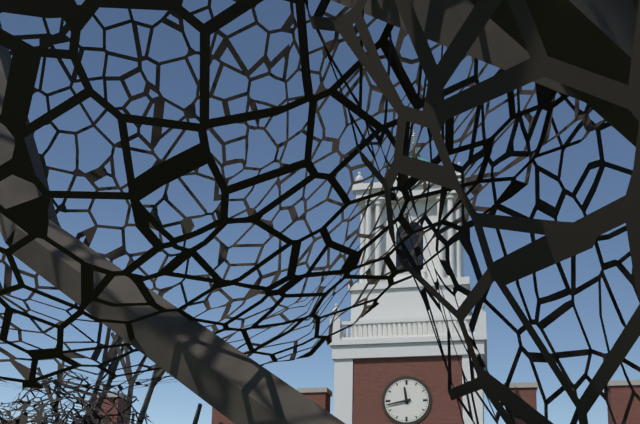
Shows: h=11 m=43
